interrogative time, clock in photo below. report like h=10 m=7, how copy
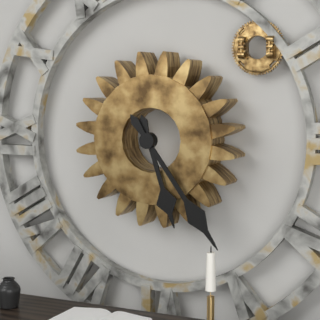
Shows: h=5 m=24
